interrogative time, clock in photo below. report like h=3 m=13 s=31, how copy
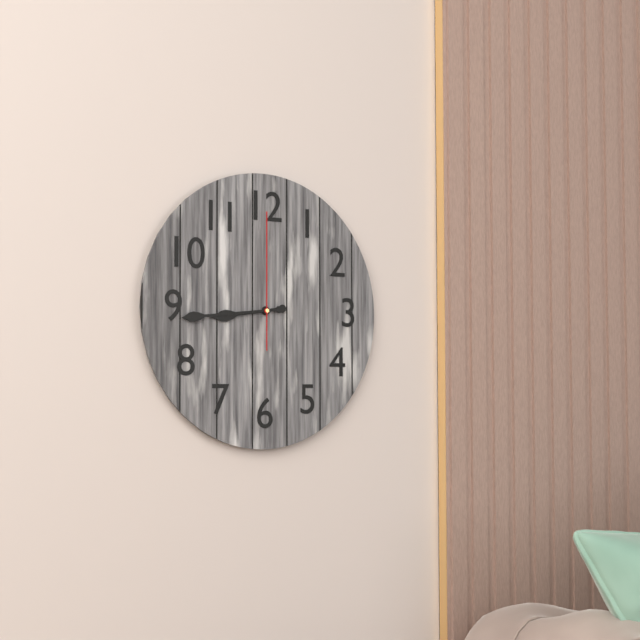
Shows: h=8 m=44 s=0
